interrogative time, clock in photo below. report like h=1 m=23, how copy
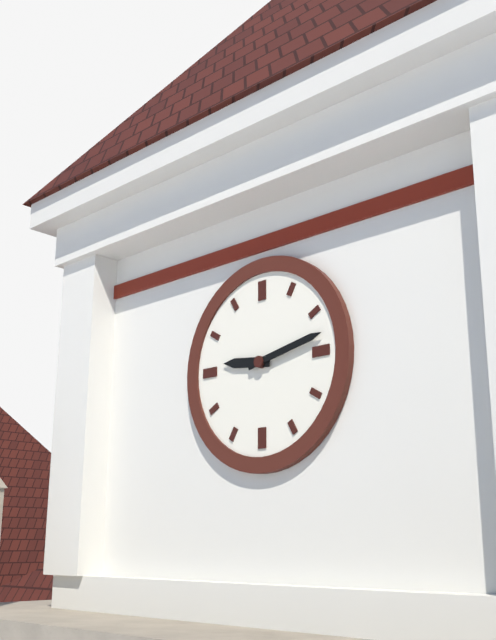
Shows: h=9 m=13
